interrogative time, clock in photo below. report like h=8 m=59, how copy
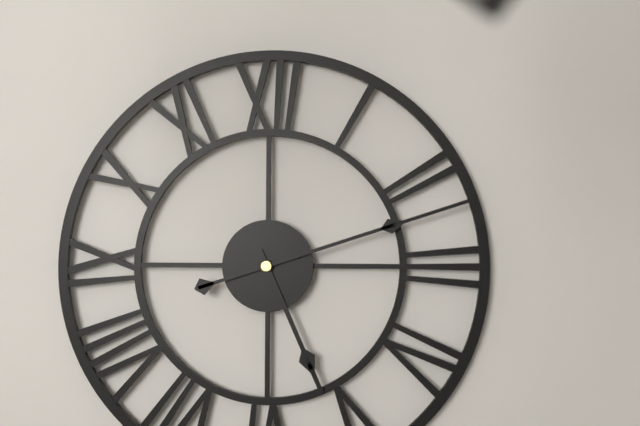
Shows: h=5 m=12
